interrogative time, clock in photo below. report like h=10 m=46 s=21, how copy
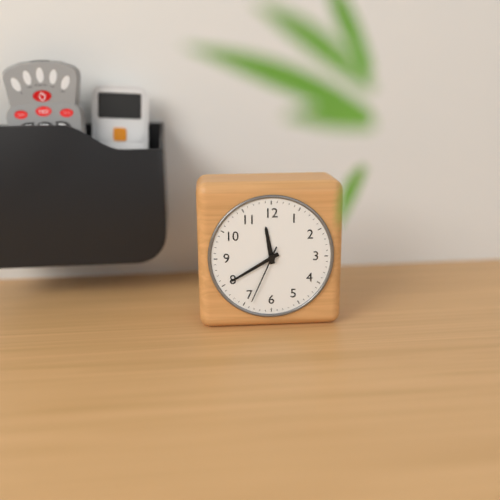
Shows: h=11 m=40 s=34
